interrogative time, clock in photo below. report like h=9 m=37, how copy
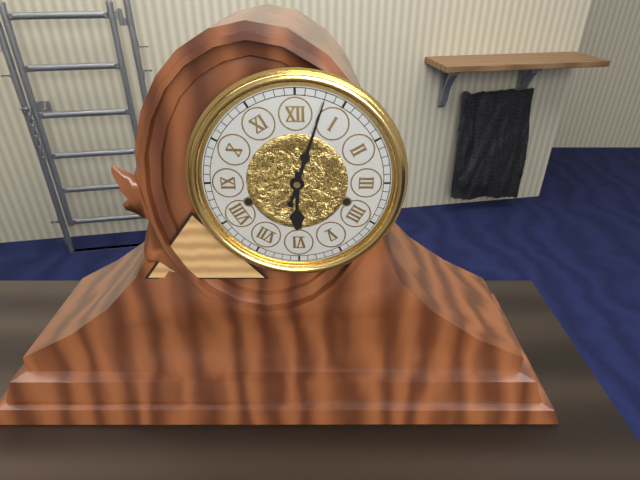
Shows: h=6 m=3
